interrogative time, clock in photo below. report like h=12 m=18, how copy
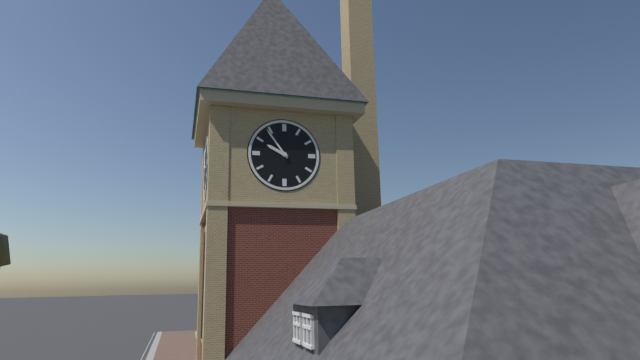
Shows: h=9 m=54
